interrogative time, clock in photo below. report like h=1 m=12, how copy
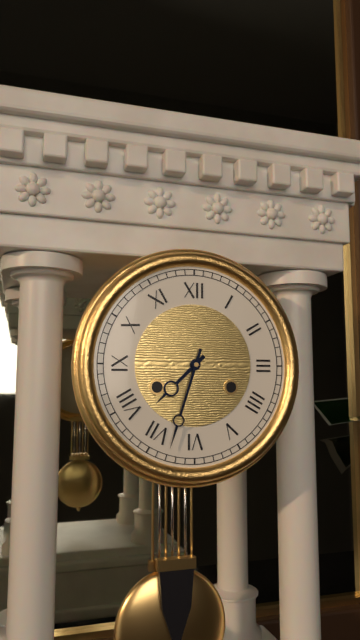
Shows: h=7 m=33
